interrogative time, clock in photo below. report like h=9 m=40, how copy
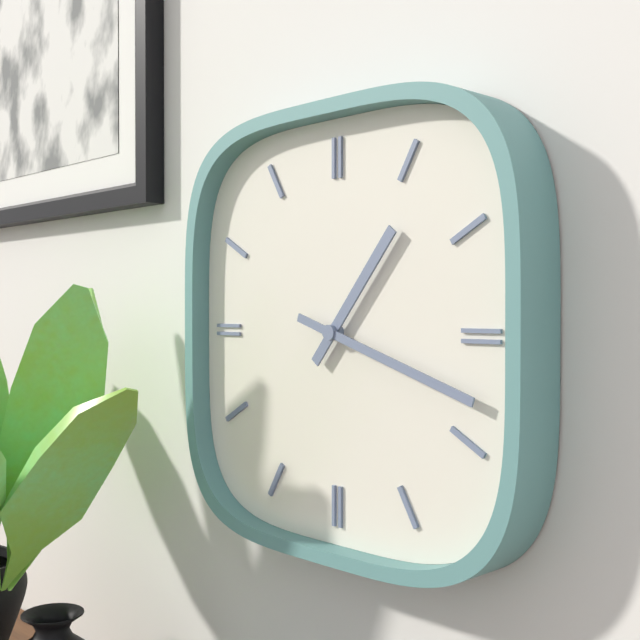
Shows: h=1 m=18
